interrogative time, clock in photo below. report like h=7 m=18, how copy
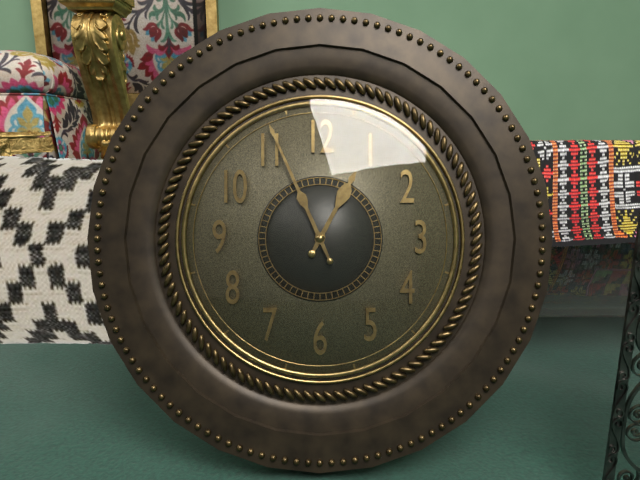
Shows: h=12 m=56
